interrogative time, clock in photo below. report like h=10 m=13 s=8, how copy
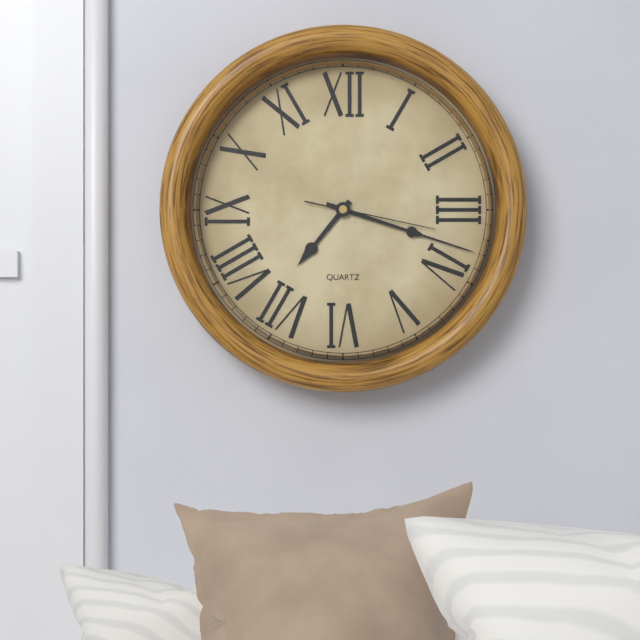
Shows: h=7 m=18 s=17
